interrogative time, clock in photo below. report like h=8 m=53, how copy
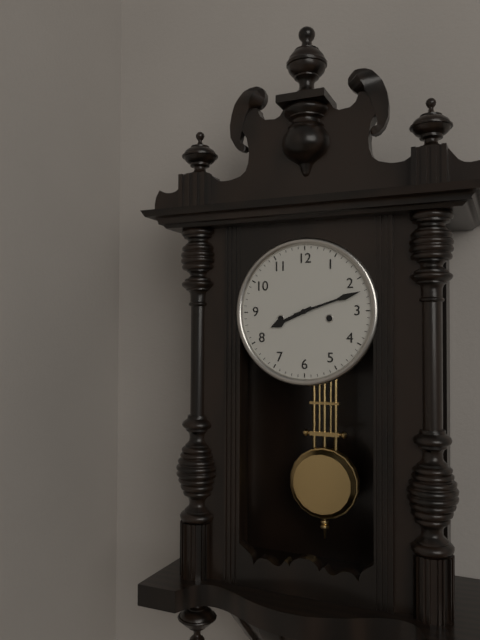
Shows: h=8 m=12
